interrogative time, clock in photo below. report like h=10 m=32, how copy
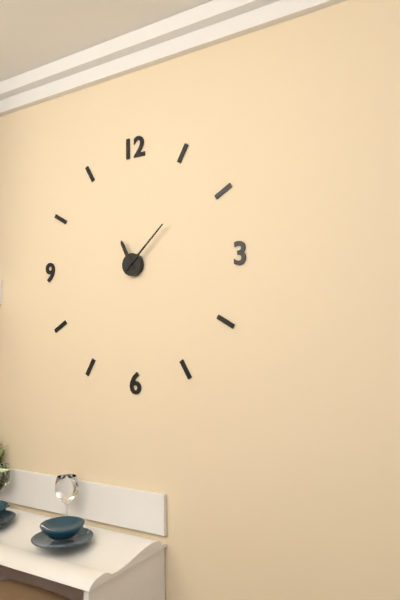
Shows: h=11 m=8
